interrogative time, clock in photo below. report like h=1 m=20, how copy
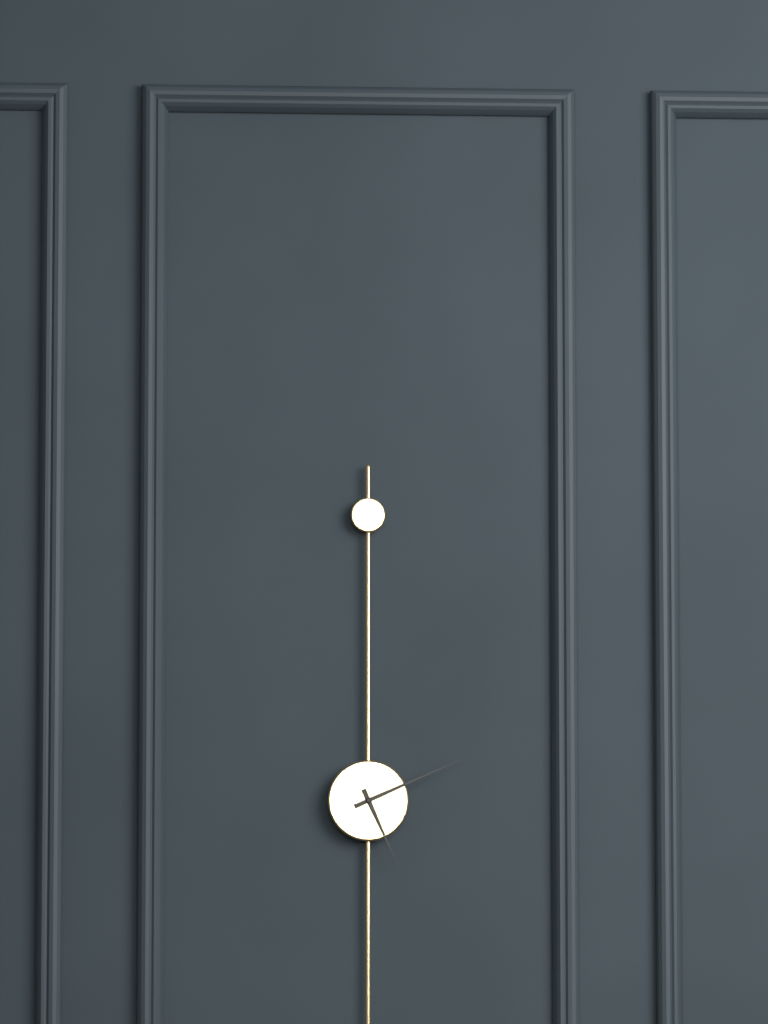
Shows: h=5 m=11
